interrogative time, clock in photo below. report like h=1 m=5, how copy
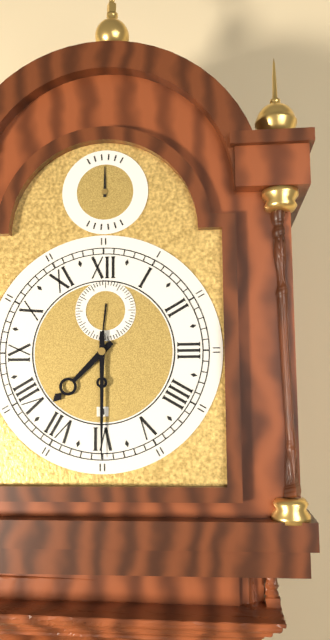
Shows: h=7 m=30
